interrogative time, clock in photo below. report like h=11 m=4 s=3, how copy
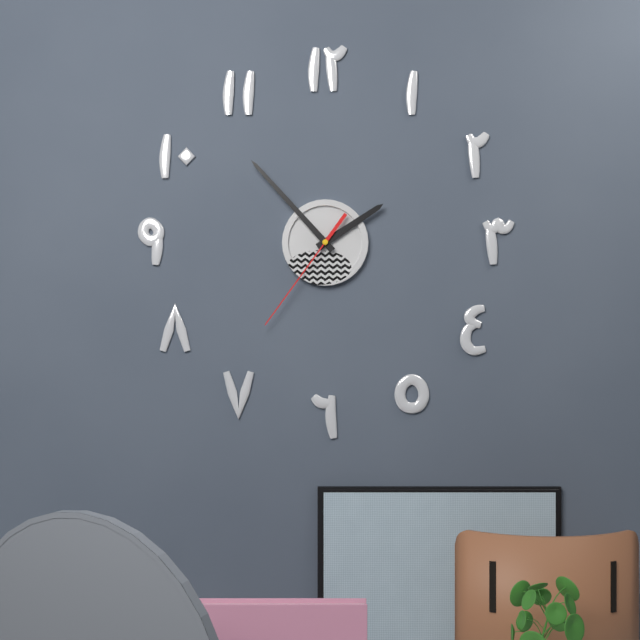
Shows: h=1 m=53 s=36
